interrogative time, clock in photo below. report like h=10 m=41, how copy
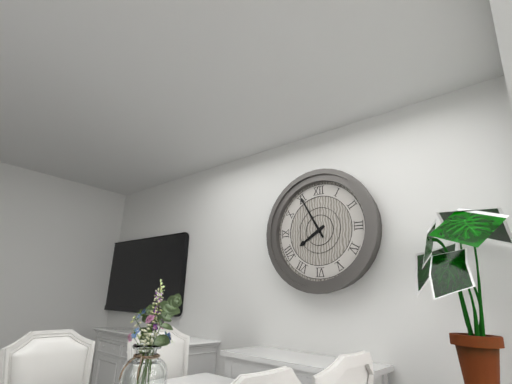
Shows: h=7 m=55
